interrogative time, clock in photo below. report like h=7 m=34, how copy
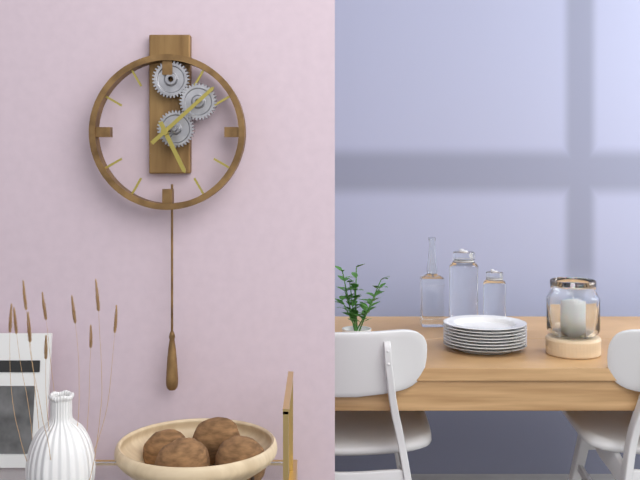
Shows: h=5 m=8
